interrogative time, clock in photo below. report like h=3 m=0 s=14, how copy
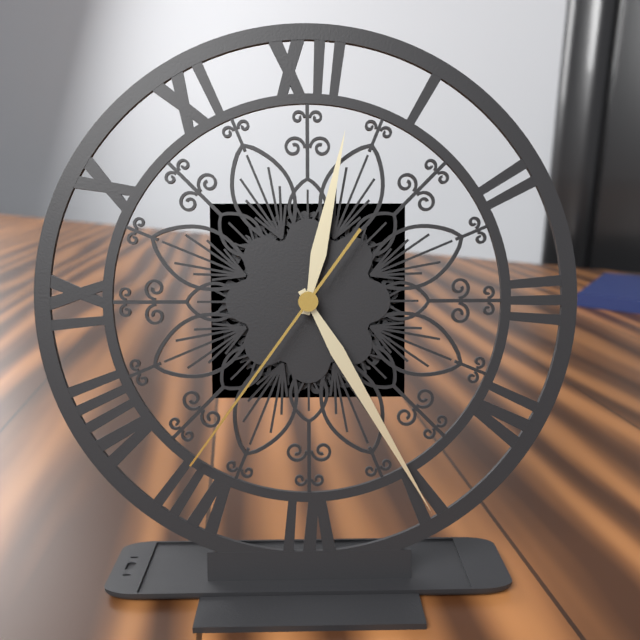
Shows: h=12 m=25 s=36
